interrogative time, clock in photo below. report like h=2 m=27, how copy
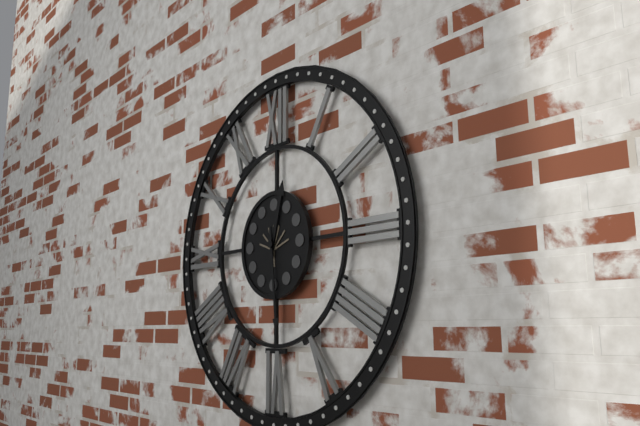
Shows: h=12 m=29
